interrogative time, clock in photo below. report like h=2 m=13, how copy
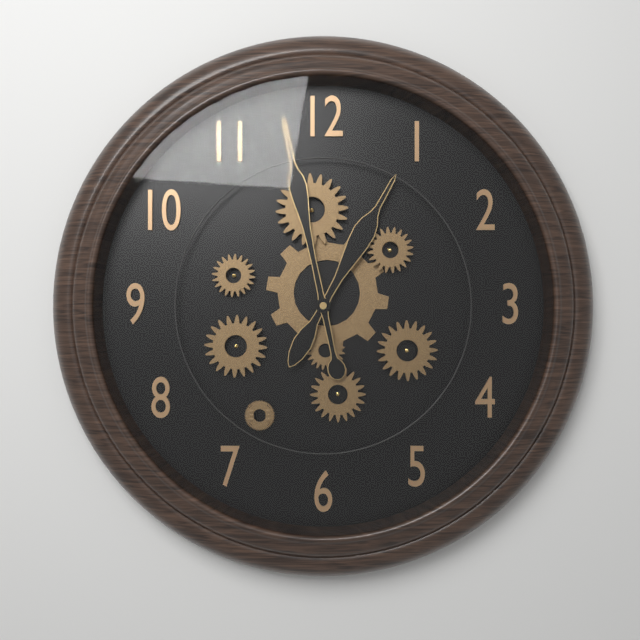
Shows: h=12 m=58
